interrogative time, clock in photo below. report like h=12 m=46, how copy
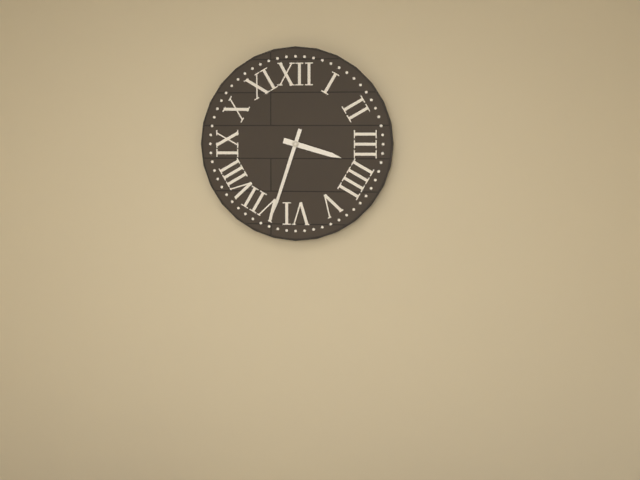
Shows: h=3 m=33
